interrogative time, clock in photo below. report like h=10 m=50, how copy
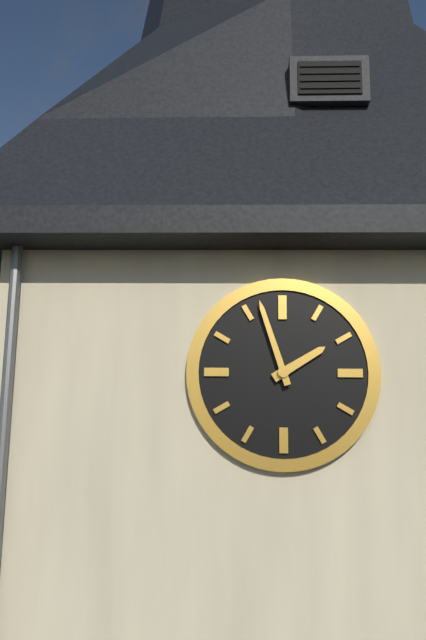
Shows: h=1 m=57
